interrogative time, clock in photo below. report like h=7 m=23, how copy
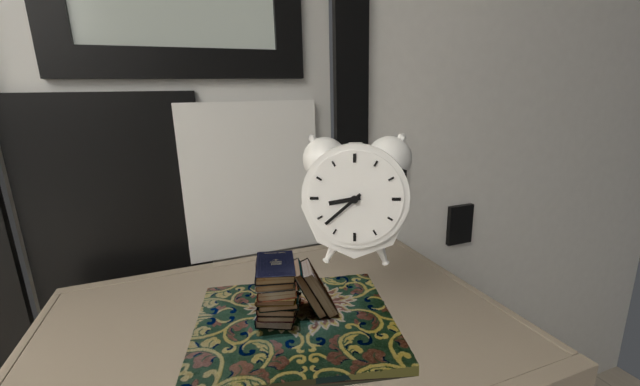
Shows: h=8 m=38
